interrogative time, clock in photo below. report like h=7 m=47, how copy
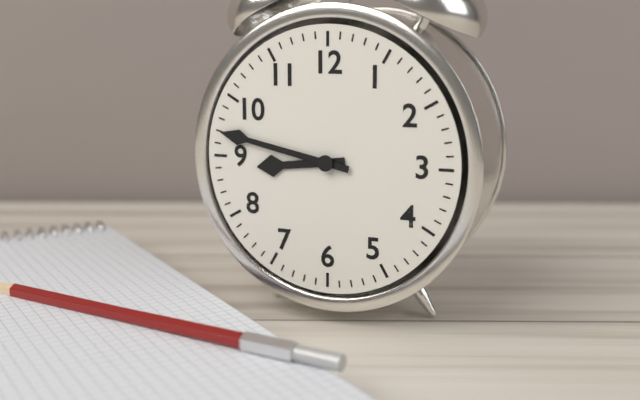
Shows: h=8 m=47
